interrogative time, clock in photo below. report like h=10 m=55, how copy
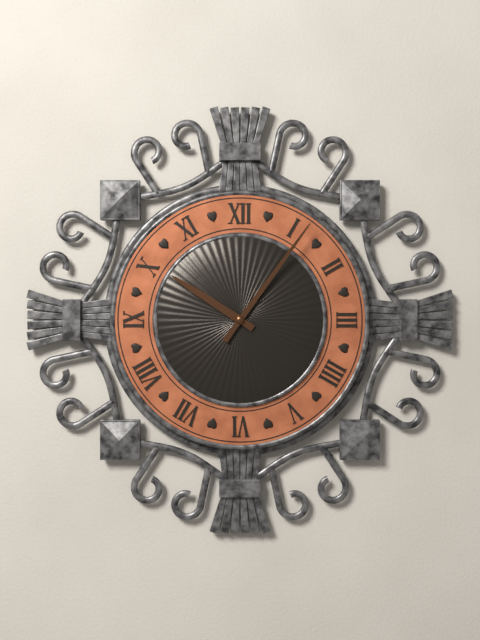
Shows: h=10 m=6
